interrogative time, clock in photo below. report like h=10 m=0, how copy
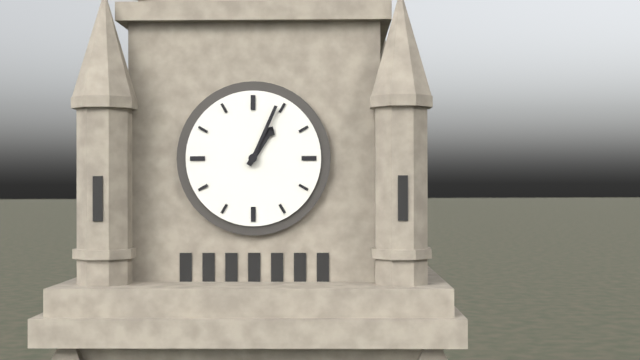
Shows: h=1 m=4
